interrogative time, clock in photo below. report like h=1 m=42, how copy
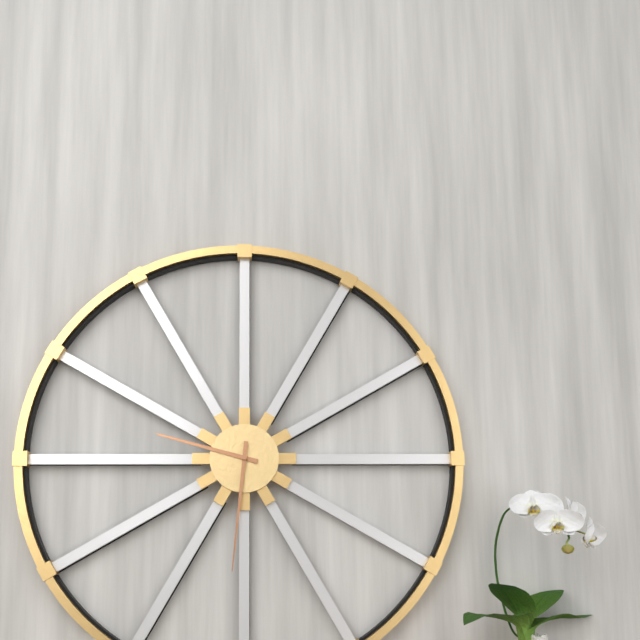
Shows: h=9 m=31
